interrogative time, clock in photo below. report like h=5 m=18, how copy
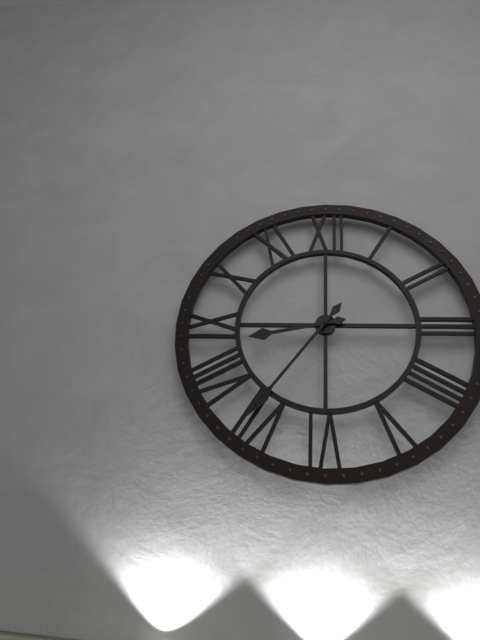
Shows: h=8 m=36
